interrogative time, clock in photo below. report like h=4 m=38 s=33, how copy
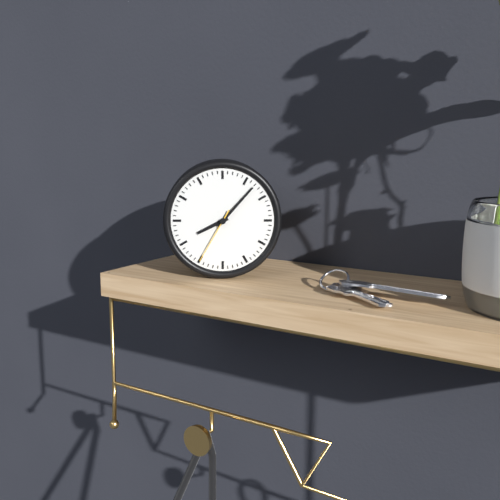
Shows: h=8 m=7 s=35
